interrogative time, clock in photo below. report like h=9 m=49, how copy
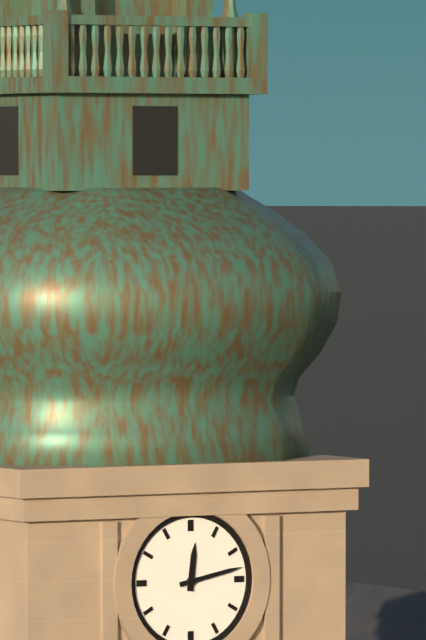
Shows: h=12 m=13
